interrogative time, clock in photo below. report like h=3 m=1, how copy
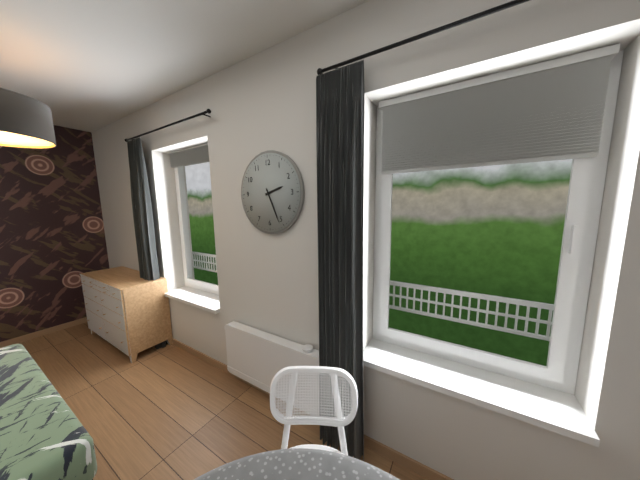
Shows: h=2 m=26
